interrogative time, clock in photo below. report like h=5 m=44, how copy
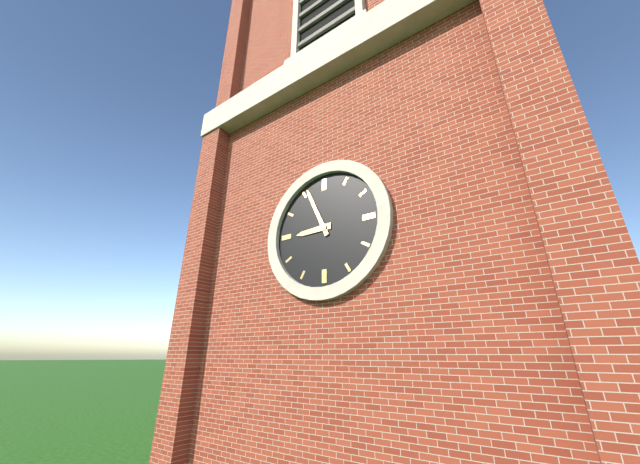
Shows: h=8 m=56
